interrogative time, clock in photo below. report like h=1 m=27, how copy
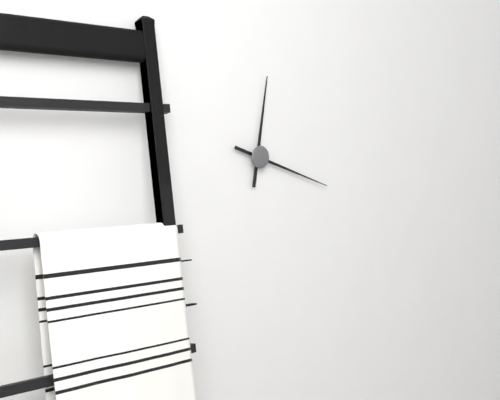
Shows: h=12 m=18
